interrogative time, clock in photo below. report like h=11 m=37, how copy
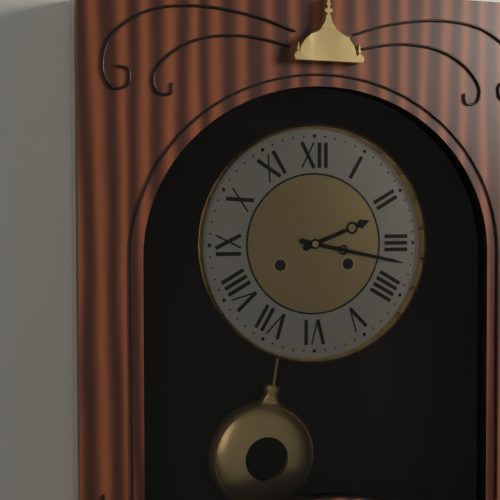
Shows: h=2 m=17
